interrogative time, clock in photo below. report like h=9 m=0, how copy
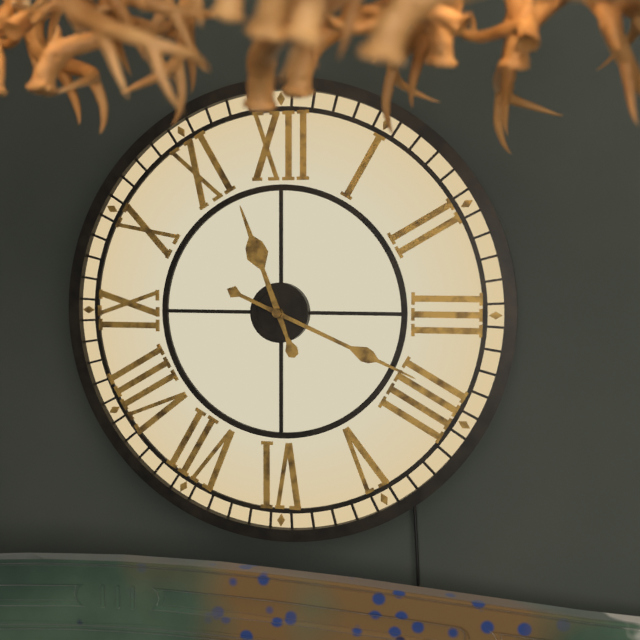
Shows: h=11 m=19
